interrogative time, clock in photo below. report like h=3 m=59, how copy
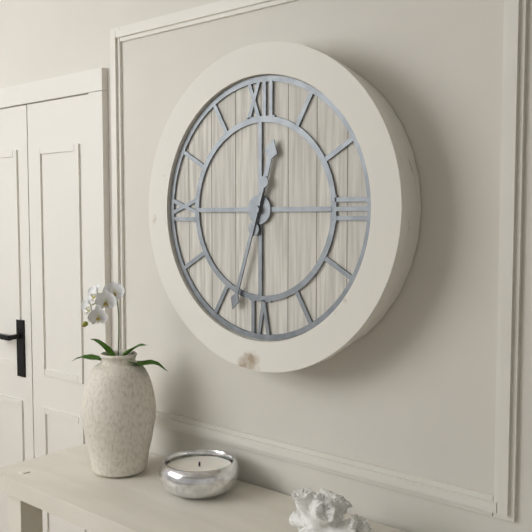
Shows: h=12 m=33
